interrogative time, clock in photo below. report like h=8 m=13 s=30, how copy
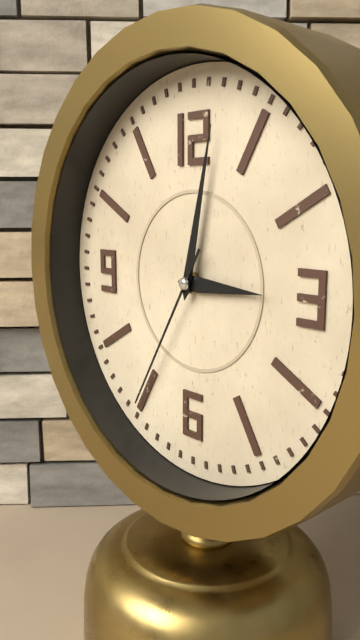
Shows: h=3 m=2 s=35
